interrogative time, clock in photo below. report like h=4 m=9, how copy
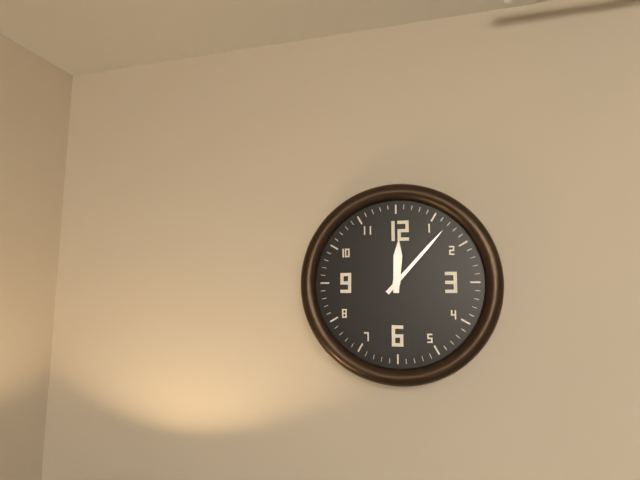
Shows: h=12 m=7
